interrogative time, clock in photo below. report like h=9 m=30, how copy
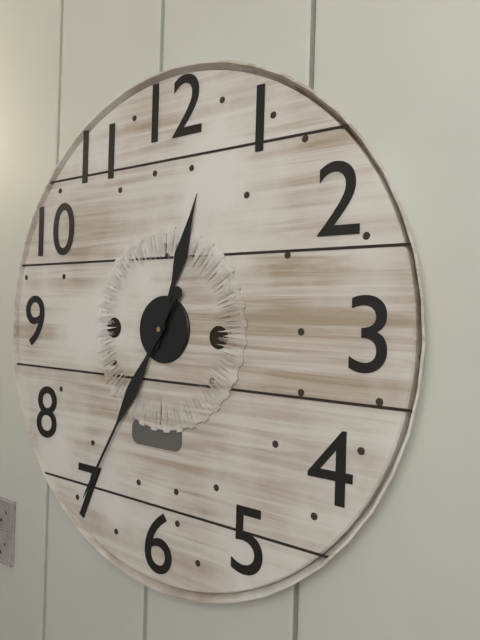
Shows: h=12 m=35
